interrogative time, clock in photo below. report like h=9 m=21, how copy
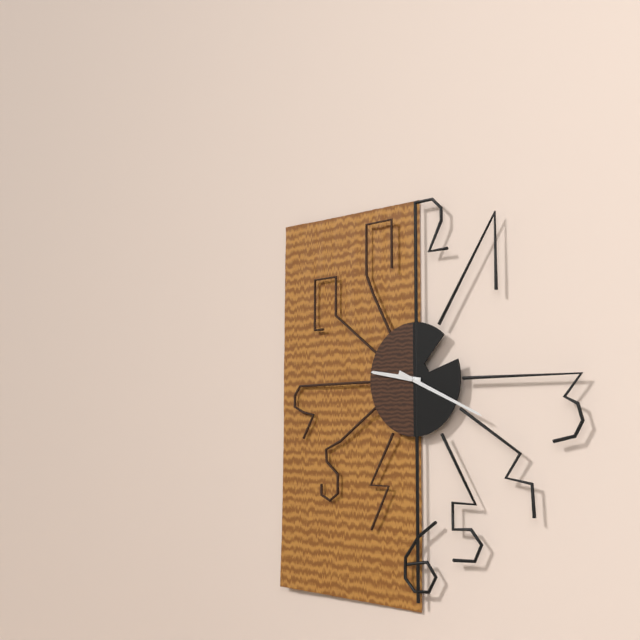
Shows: h=9 m=19
